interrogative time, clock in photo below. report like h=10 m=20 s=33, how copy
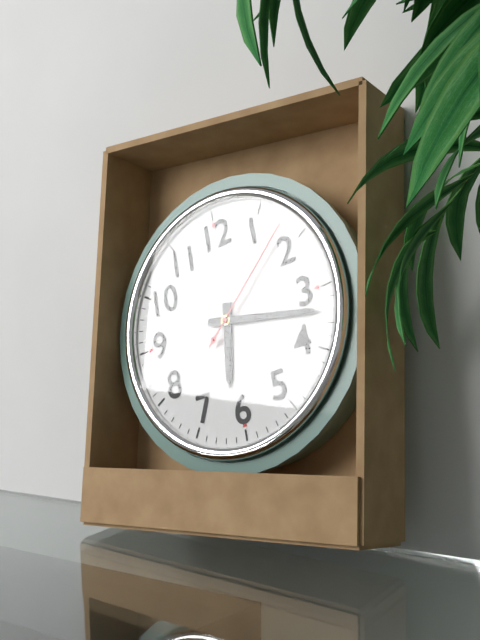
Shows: h=6 m=17 s=8
